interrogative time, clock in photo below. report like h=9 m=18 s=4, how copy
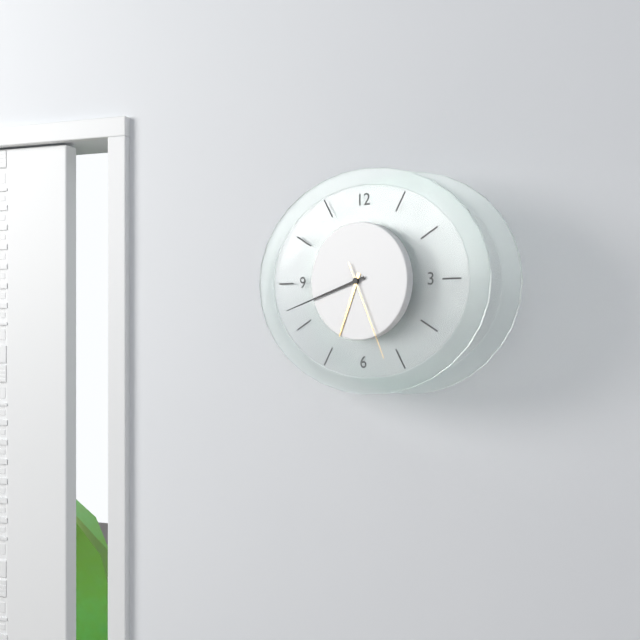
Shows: h=6 m=42 s=26
